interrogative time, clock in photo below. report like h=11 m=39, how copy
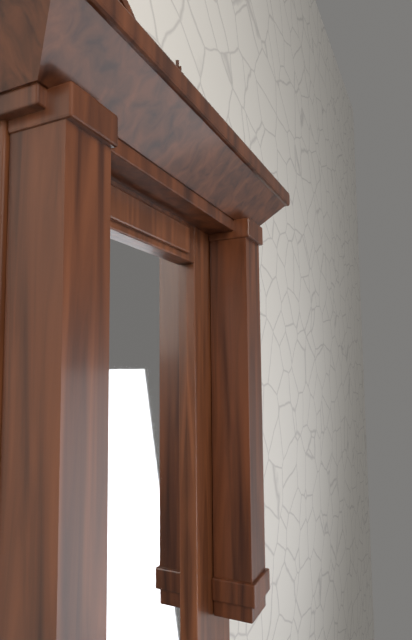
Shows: h=4 m=21
